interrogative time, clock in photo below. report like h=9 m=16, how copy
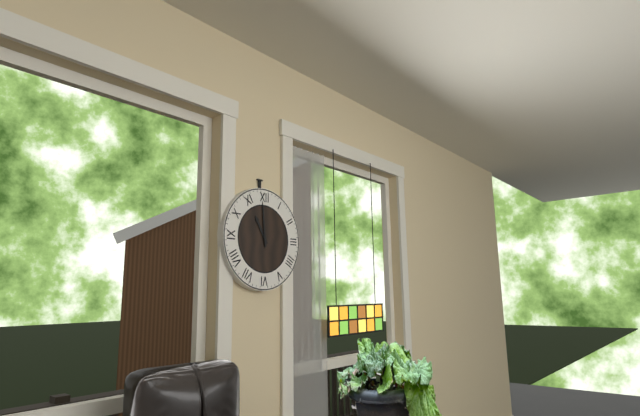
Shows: h=10 m=59
